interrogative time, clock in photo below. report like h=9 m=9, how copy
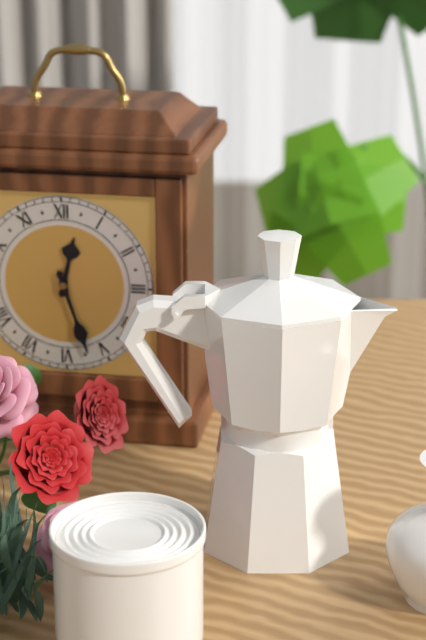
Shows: h=12 m=27
